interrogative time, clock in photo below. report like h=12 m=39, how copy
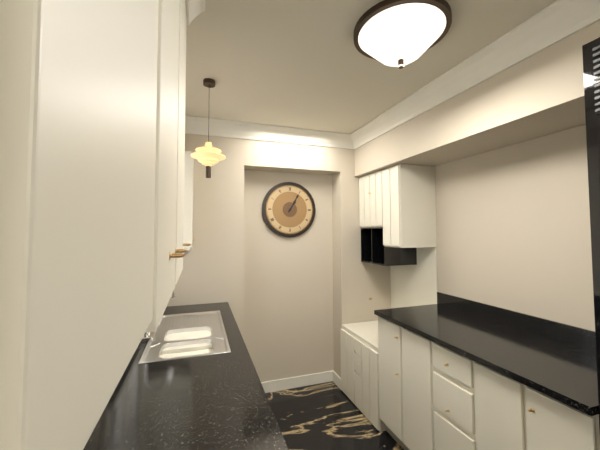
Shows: h=1 m=5
